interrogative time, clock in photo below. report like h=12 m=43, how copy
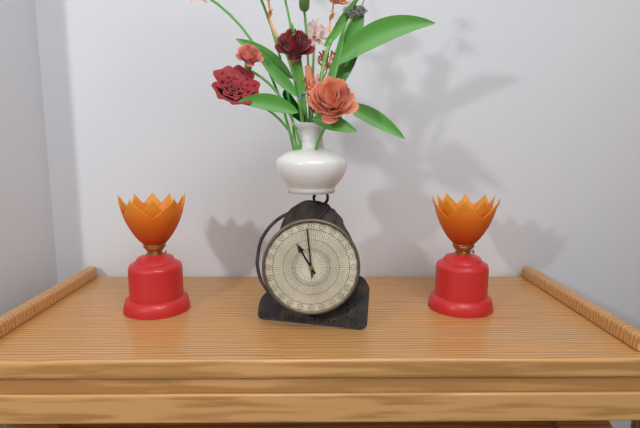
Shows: h=10 m=59
